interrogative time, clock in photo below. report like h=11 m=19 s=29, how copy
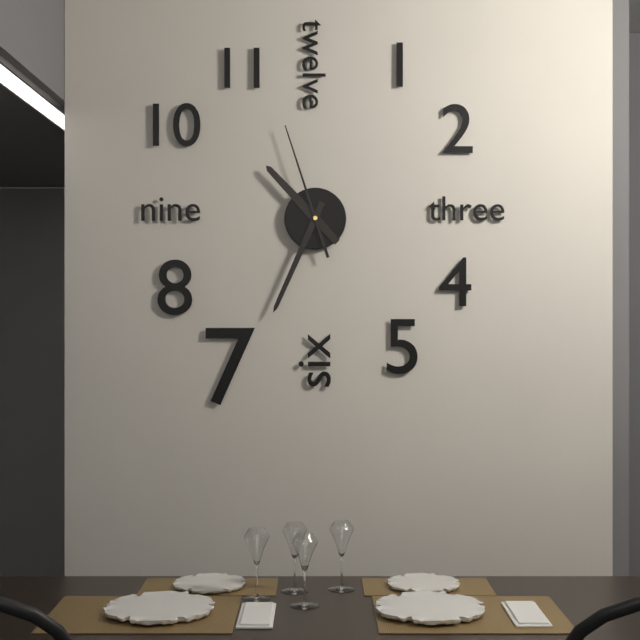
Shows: h=10 m=34 s=57
